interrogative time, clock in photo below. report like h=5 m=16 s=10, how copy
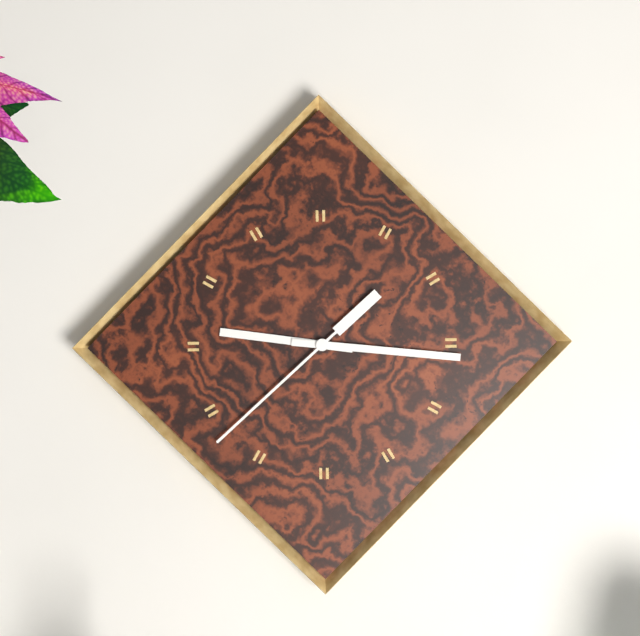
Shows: h=9 m=16 s=38
